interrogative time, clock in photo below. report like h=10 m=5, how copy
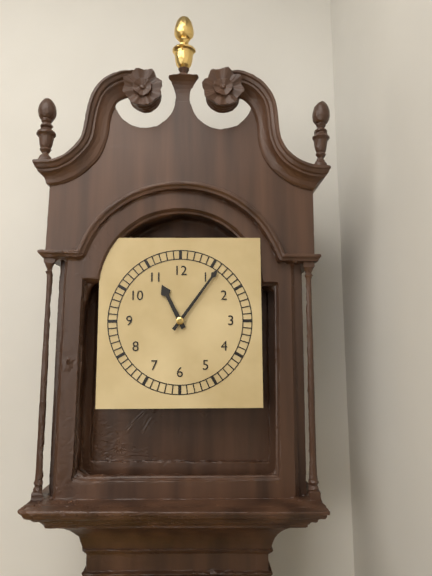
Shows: h=11 m=6
